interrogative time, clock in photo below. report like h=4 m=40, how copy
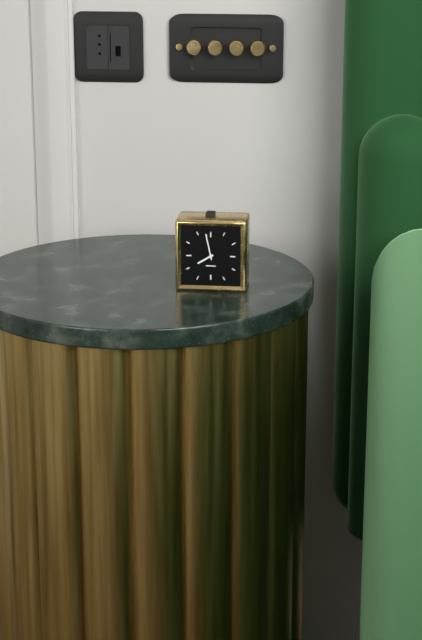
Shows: h=7 m=58
